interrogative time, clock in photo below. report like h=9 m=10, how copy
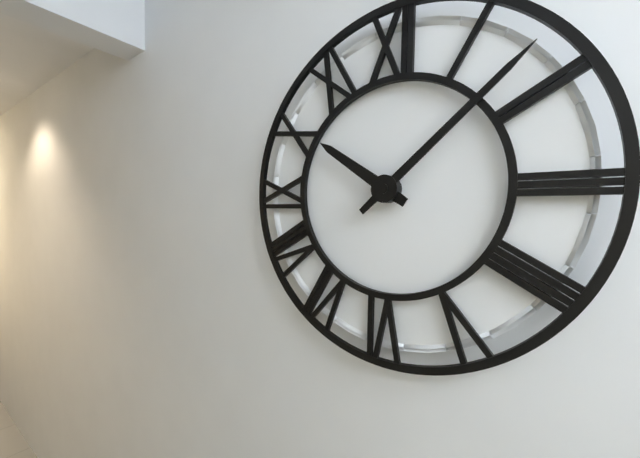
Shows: h=10 m=8
